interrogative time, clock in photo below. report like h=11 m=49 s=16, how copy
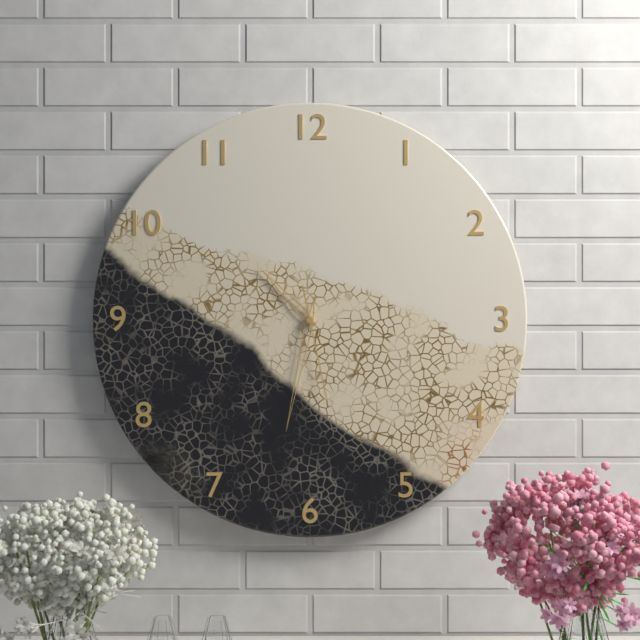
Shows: h=10 m=32 s=28
